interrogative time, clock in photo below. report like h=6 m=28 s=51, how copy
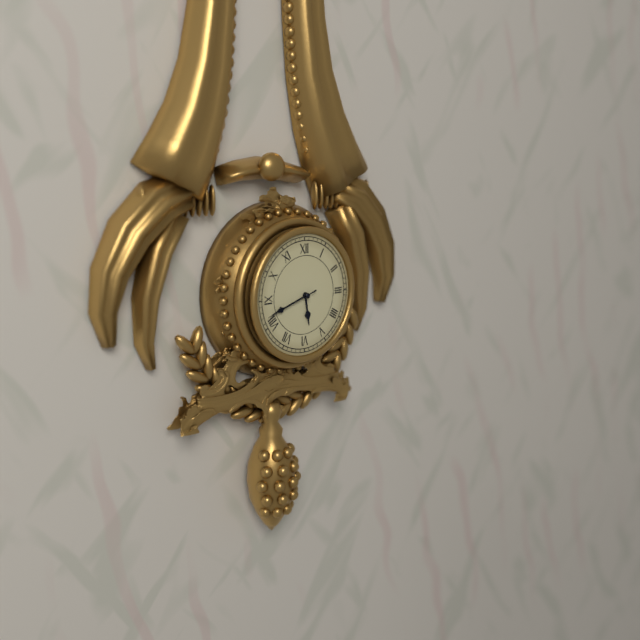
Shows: h=5 m=42 s=42
